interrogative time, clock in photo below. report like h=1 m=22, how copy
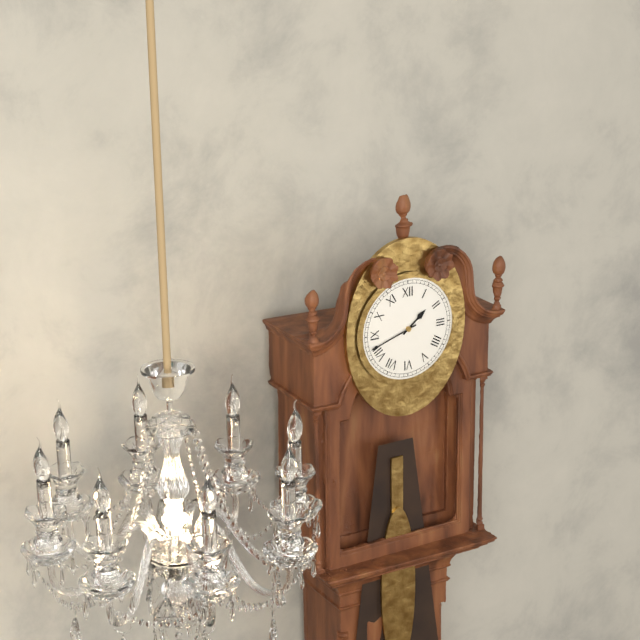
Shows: h=1 m=42
